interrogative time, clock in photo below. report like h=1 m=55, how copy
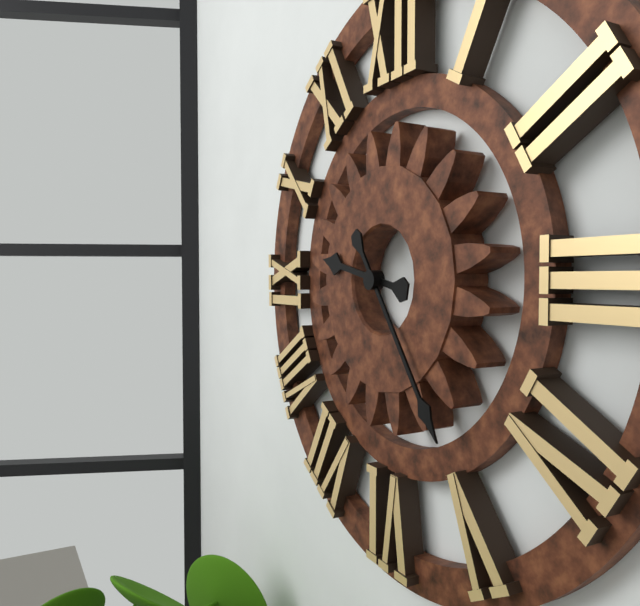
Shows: h=9 m=24
